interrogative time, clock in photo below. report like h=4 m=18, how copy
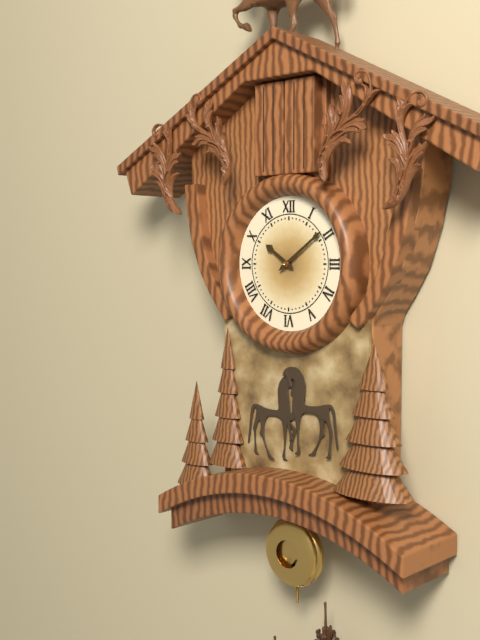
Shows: h=10 m=9
